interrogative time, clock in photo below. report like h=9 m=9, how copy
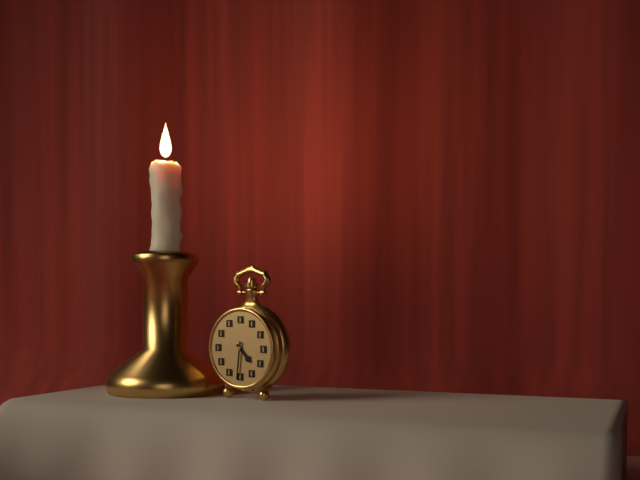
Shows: h=4 m=31
